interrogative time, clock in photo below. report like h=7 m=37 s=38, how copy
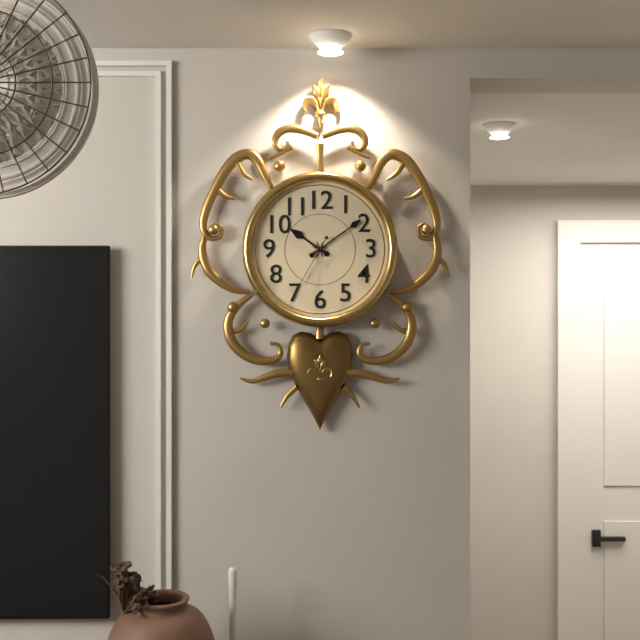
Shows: h=10 m=9 s=35
